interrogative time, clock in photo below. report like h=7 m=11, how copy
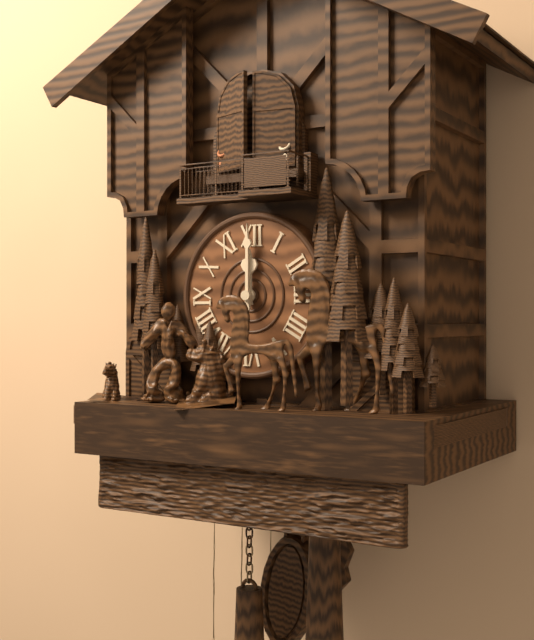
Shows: h=12 m=0
